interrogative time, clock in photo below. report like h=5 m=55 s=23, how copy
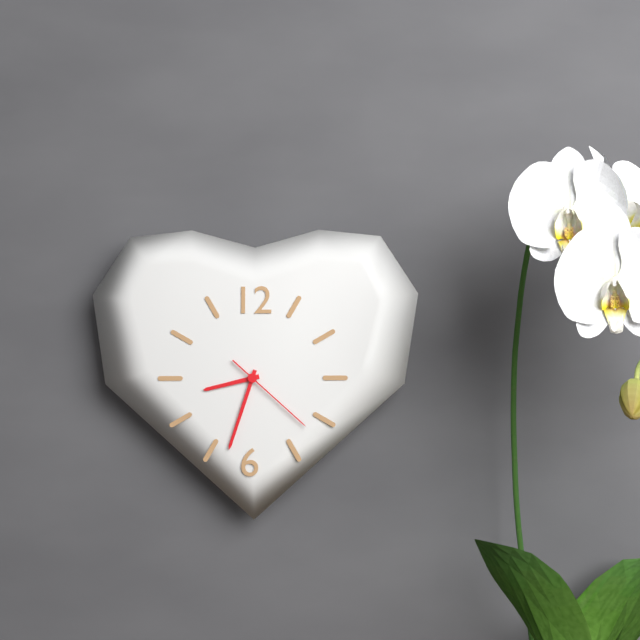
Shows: h=8 m=33 s=22
